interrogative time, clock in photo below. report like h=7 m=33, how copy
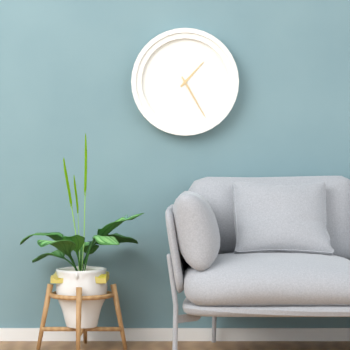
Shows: h=1 m=25
